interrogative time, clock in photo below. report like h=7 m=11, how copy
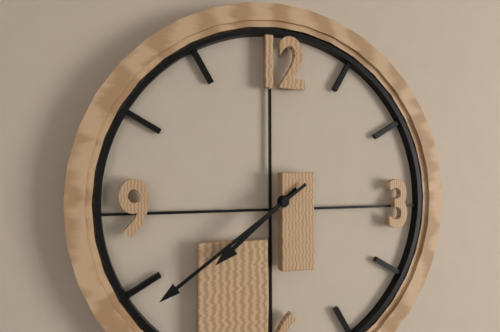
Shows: h=7 m=39
